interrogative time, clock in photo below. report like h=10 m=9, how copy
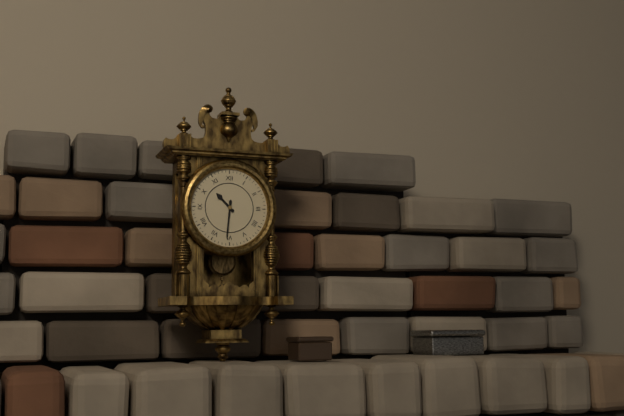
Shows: h=10 m=31
